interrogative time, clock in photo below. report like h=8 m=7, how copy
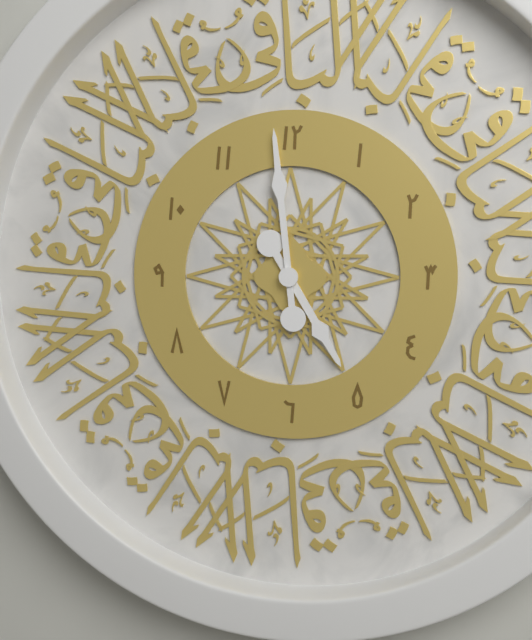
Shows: h=4 m=59
